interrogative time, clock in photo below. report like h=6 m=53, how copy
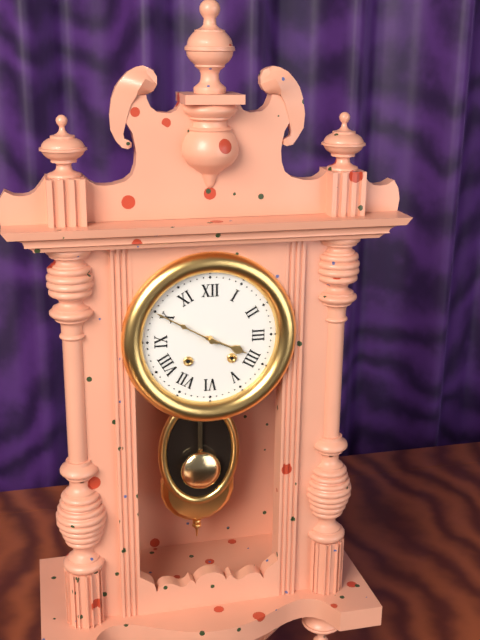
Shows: h=3 m=50
